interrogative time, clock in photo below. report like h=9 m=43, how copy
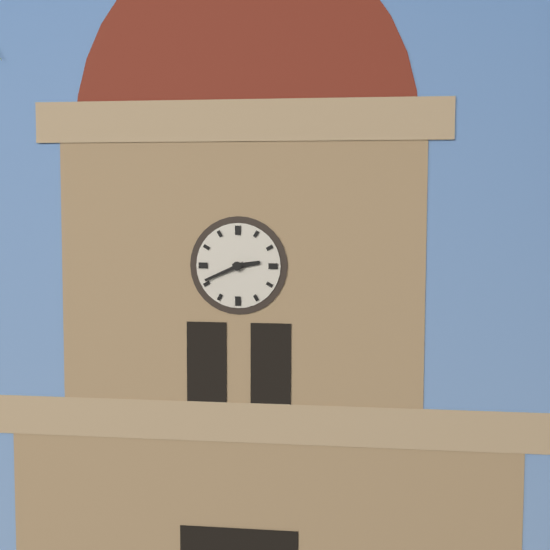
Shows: h=2 m=41
